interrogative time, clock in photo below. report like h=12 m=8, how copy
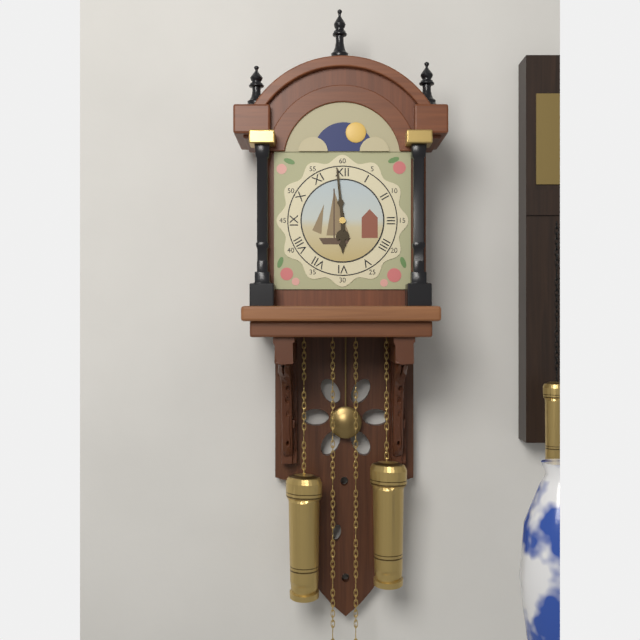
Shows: h=5 m=59
